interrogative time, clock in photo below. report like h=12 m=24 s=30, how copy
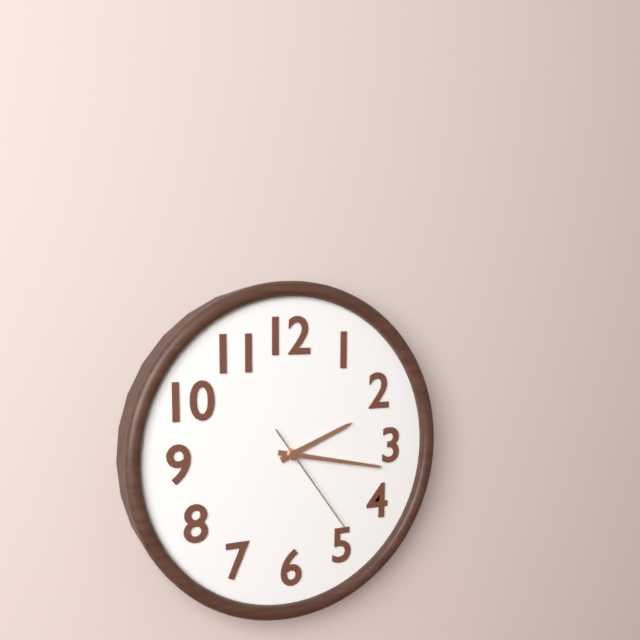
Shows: h=2 m=17 s=24
